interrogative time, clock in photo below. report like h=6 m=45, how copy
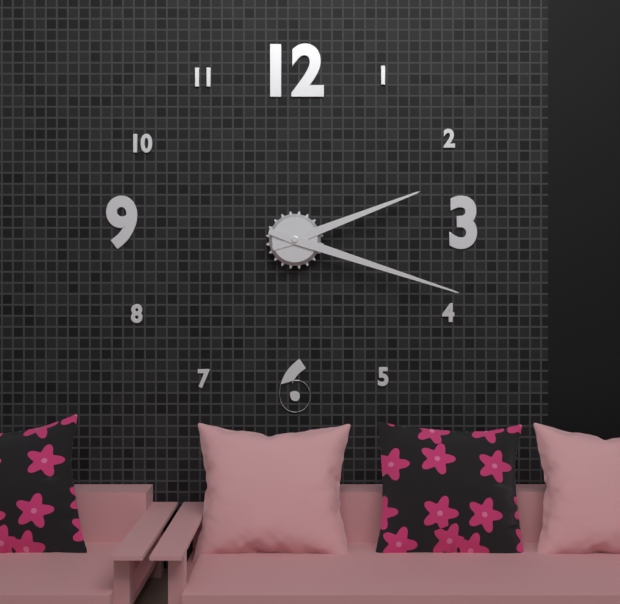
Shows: h=2 m=18
